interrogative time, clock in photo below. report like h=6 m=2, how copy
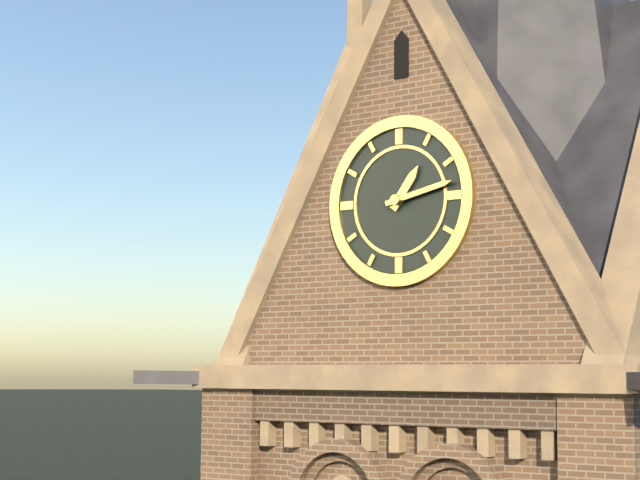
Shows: h=1 m=13
